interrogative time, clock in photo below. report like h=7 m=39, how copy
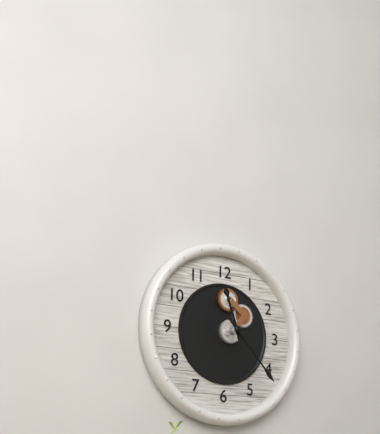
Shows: h=11 m=23
